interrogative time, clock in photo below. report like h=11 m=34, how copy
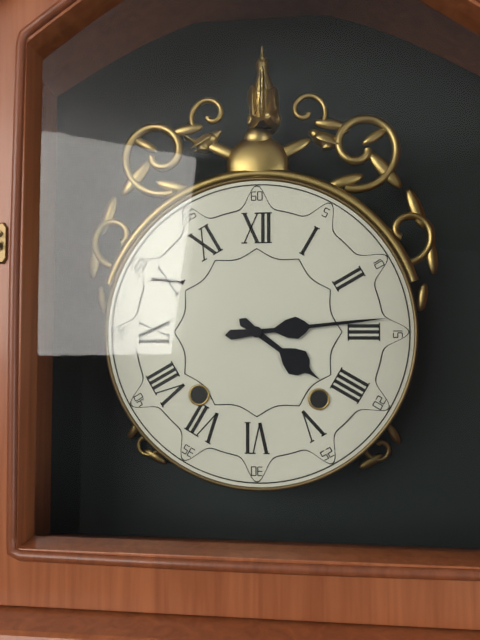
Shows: h=4 m=14
